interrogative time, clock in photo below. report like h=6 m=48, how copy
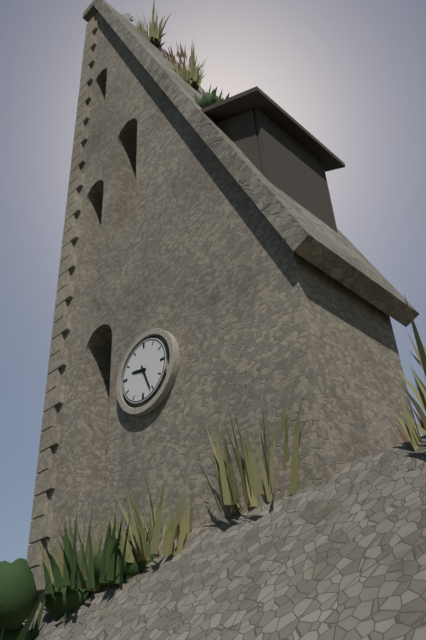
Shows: h=9 m=26
